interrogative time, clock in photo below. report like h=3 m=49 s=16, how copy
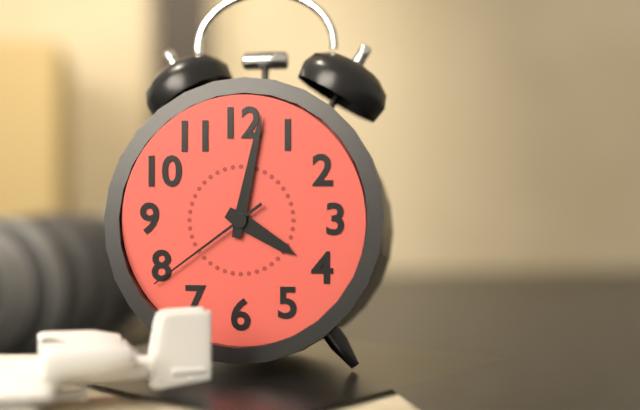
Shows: h=4 m=2 s=39
